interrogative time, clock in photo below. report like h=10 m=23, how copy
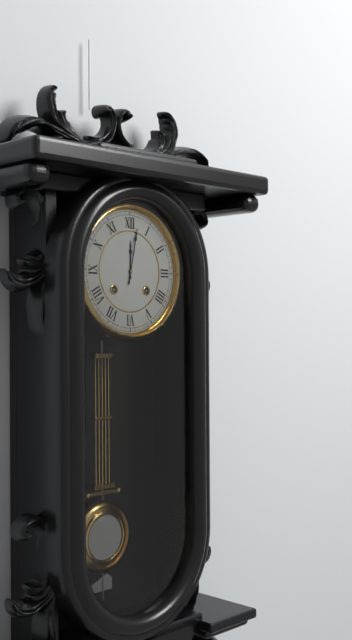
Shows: h=12 m=2
